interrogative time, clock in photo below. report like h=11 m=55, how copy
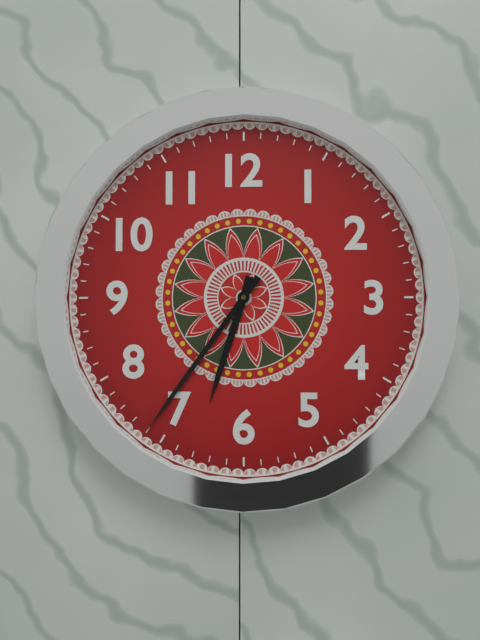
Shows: h=6 m=36
